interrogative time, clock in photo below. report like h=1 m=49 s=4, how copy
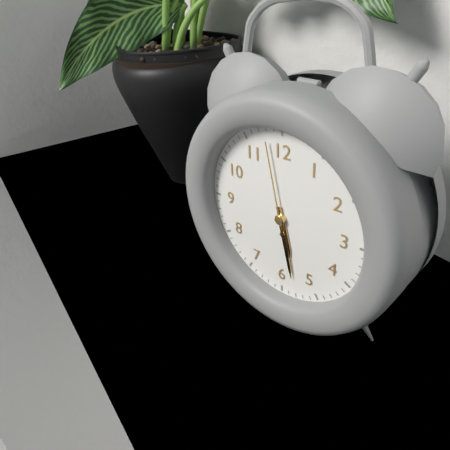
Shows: h=5 m=28 s=58
